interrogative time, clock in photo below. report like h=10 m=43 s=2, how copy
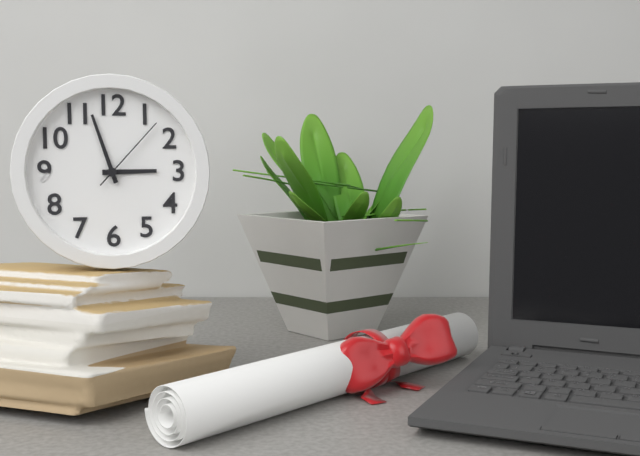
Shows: h=2 m=57 s=7
